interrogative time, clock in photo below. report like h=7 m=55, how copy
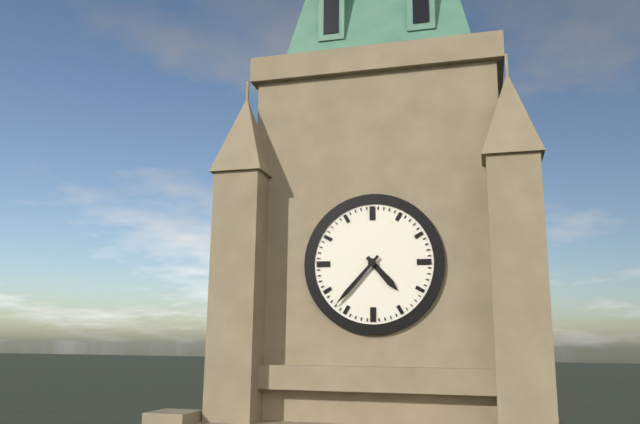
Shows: h=4 m=37
